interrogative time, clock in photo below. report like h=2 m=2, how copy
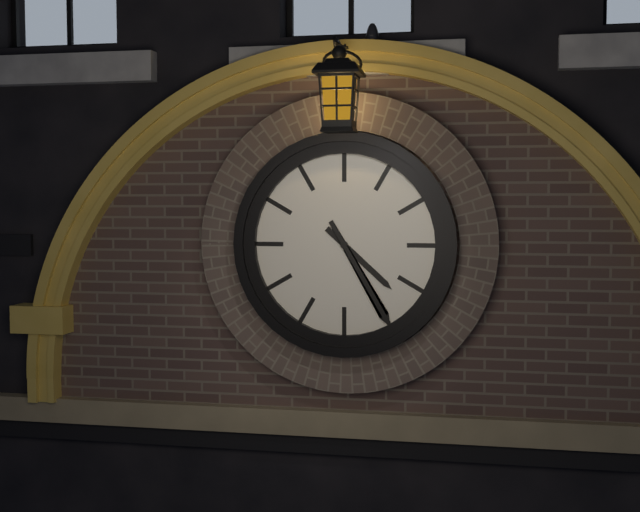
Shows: h=4 m=25
